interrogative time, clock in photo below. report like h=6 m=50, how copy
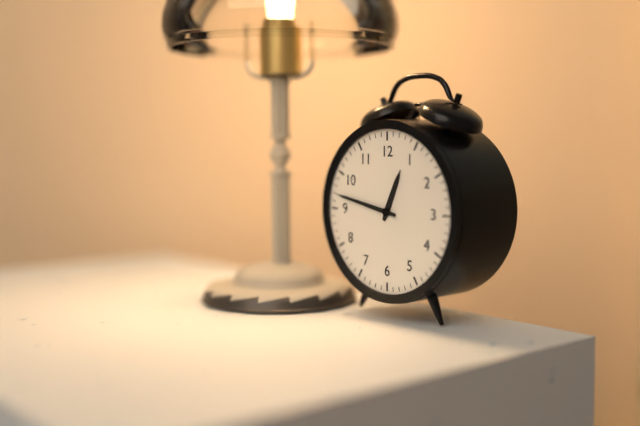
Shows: h=12 m=47
